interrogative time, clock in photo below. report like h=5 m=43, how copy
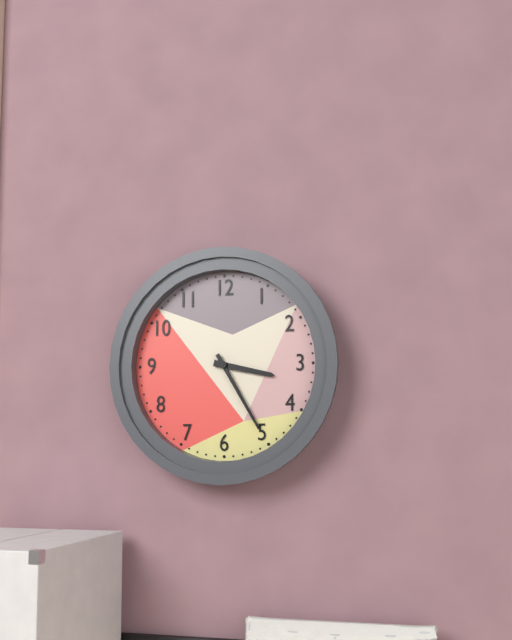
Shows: h=3 m=25
